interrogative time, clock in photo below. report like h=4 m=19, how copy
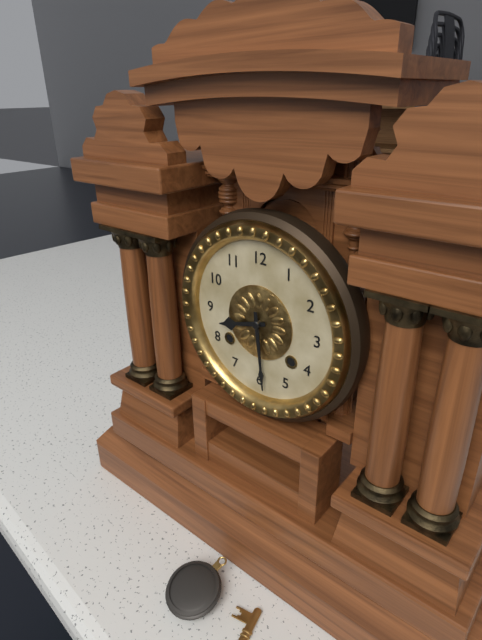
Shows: h=8 m=29
